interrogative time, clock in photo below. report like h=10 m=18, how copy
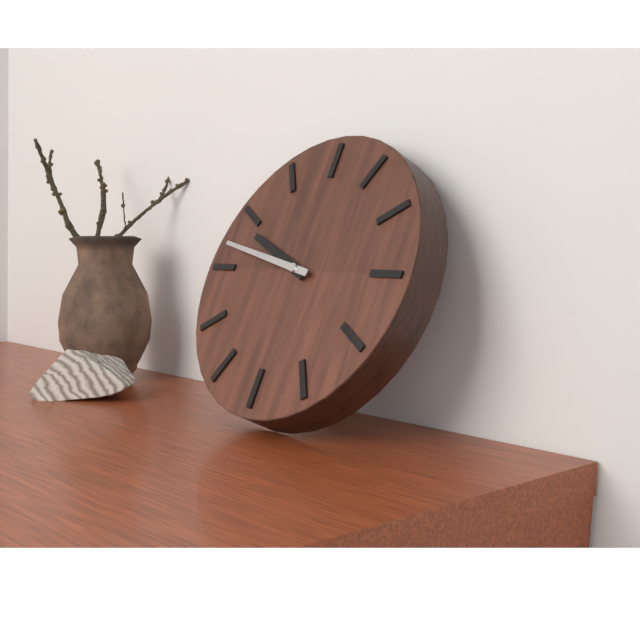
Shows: h=9 m=47
